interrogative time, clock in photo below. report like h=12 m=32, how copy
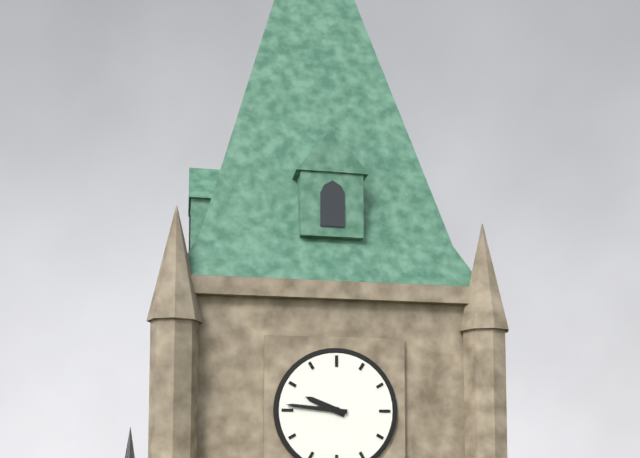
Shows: h=9 m=46
